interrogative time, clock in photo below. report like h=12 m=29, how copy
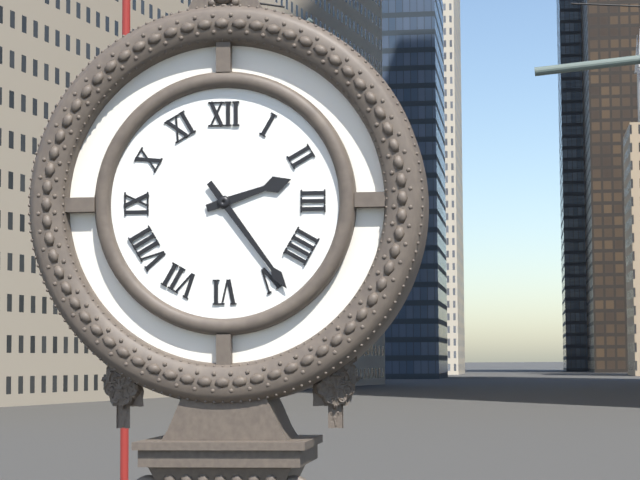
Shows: h=2 m=24
